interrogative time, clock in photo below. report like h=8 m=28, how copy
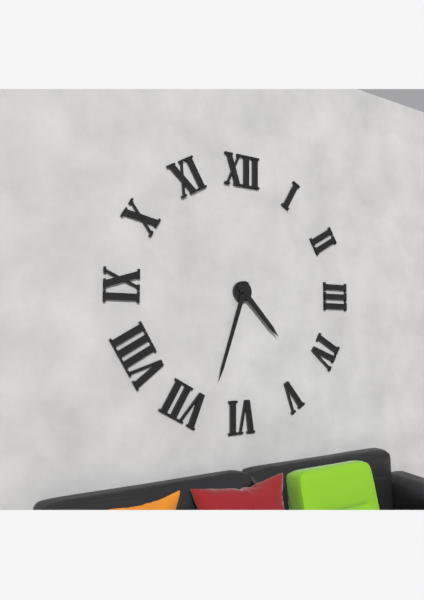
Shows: h=4 m=33
